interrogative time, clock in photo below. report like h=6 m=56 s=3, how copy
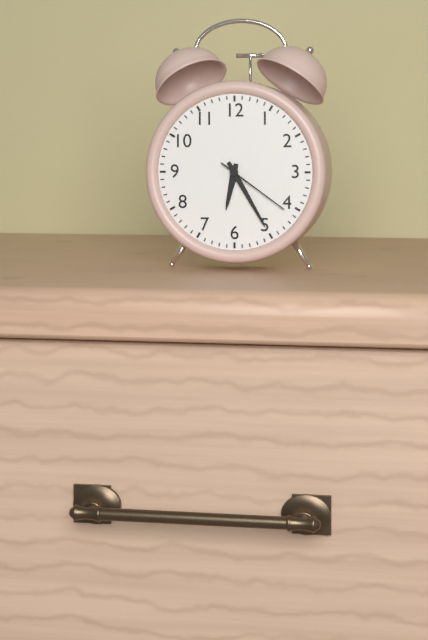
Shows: h=6 m=25 s=21
